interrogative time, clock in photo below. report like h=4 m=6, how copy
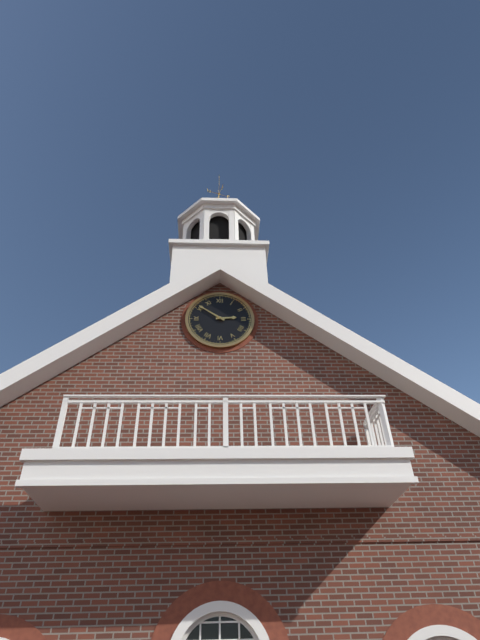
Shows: h=2 m=51
